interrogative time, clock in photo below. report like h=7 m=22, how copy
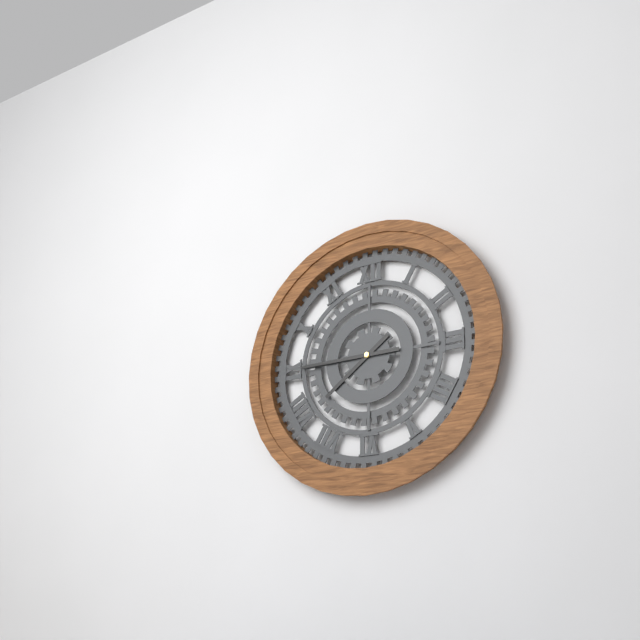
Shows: h=7 m=45
